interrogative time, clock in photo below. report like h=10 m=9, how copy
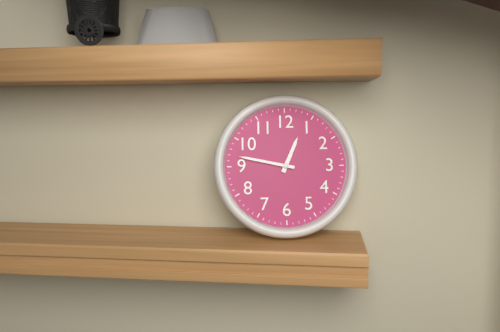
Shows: h=12 m=47
